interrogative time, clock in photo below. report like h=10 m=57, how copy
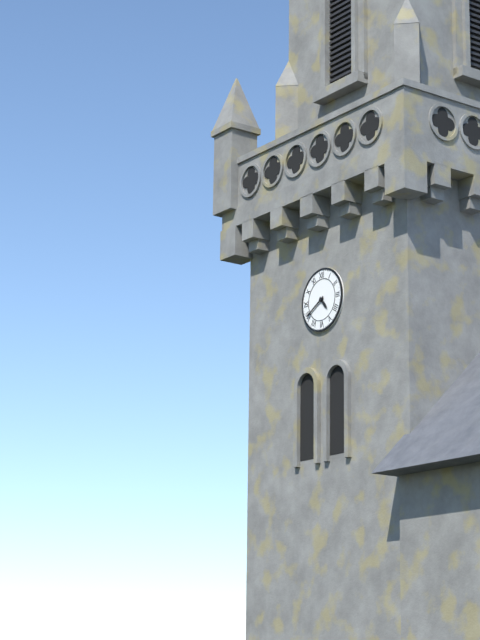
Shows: h=4 m=40
